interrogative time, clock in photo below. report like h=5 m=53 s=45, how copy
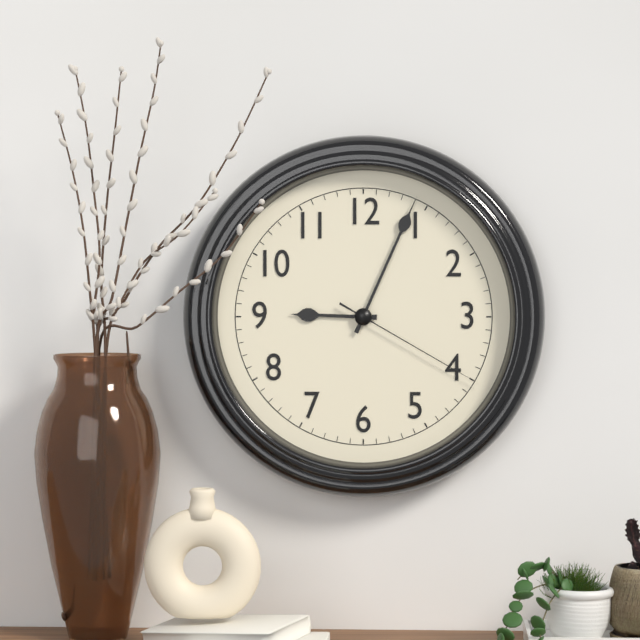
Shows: h=9 m=4 s=20
